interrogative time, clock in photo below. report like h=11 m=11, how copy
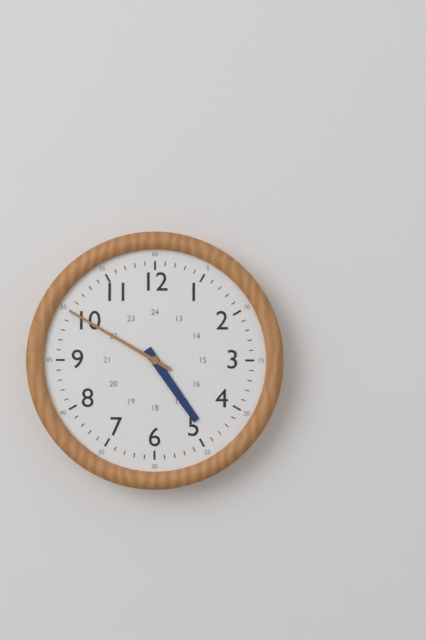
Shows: h=4 m=50
